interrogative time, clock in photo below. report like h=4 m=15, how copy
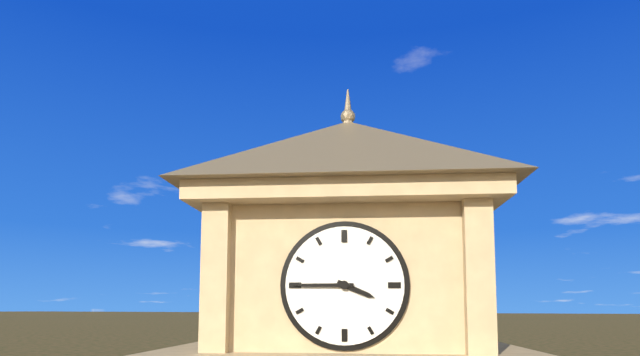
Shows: h=3 m=45
